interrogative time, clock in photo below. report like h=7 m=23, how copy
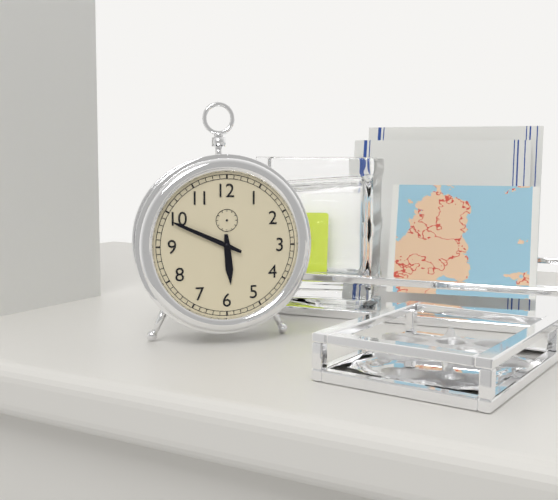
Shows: h=5 m=49
